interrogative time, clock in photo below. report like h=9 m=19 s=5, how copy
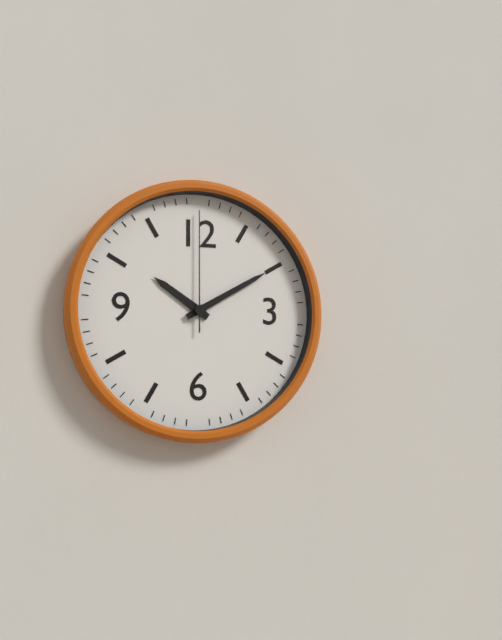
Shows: h=10 m=10 s=0
